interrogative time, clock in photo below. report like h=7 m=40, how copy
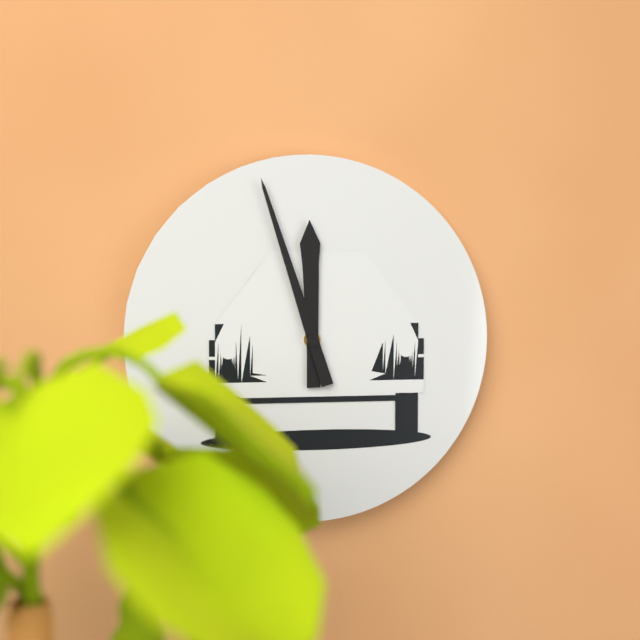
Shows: h=11 m=57
